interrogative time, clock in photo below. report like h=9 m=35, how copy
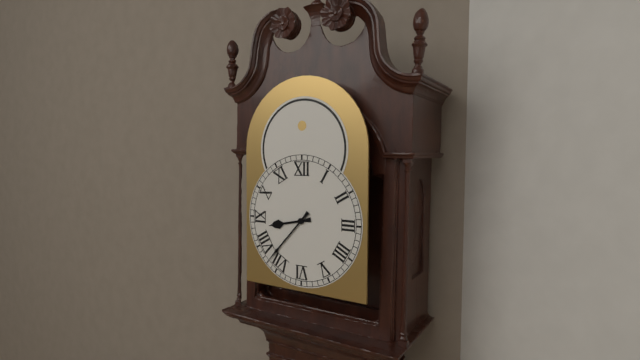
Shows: h=8 m=37
